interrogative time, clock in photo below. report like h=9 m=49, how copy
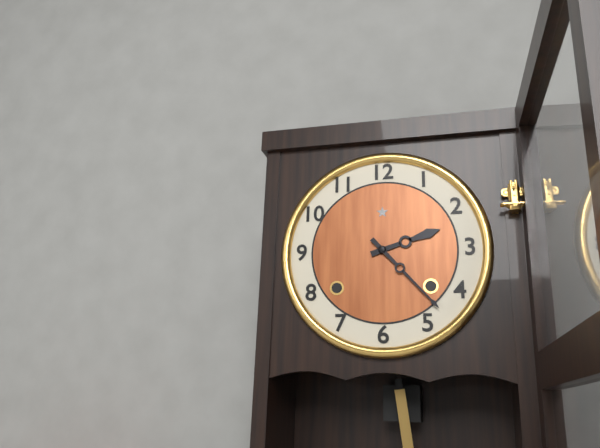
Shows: h=2 m=23
